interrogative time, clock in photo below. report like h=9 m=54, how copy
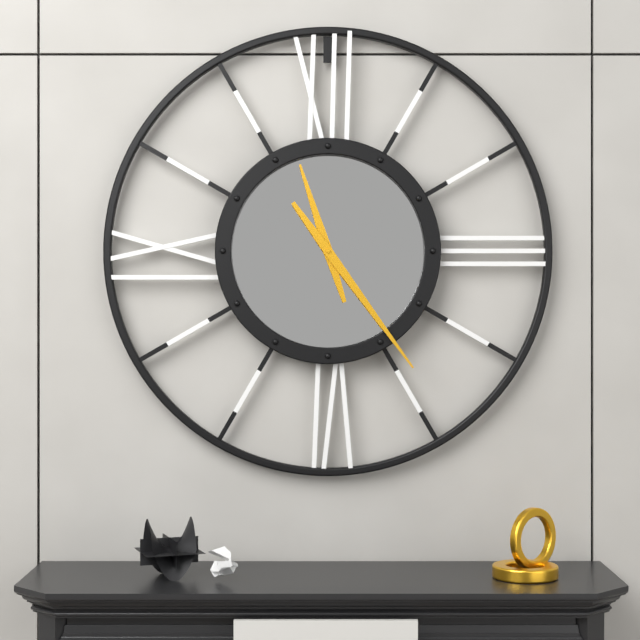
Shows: h=11 m=24
